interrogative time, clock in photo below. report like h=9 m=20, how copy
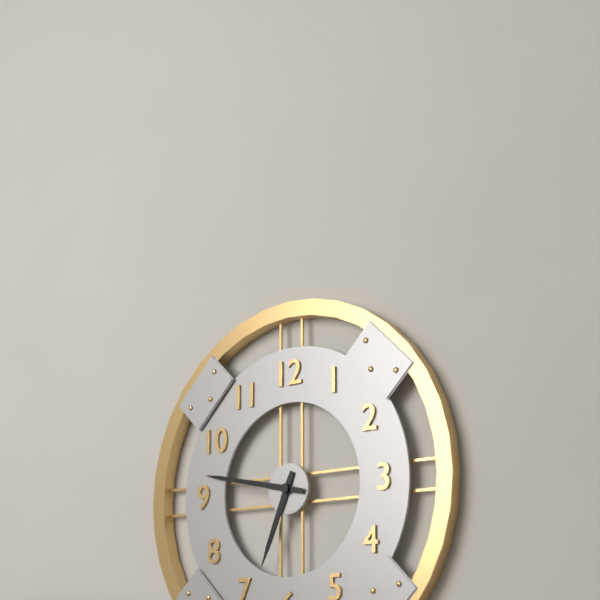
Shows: h=6 m=47
